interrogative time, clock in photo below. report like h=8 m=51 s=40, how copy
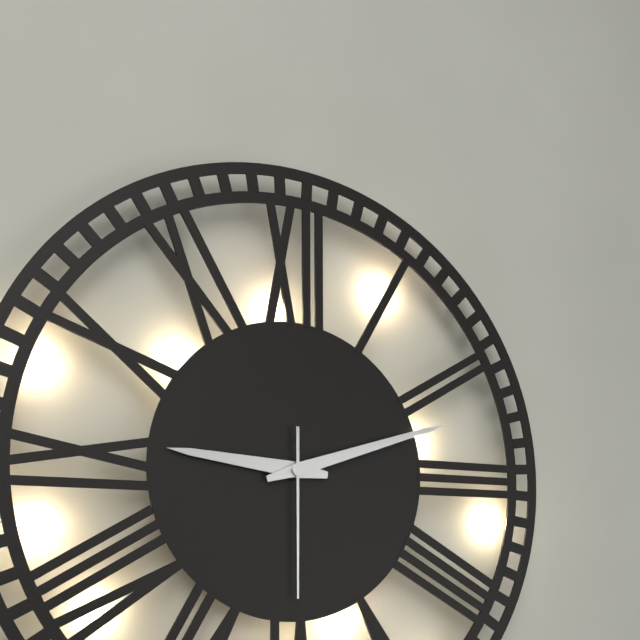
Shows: h=9 m=12 s=30
